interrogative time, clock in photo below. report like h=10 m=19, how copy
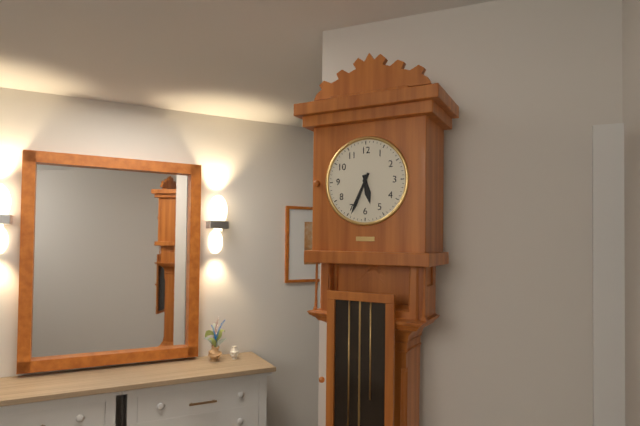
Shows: h=5 m=34
